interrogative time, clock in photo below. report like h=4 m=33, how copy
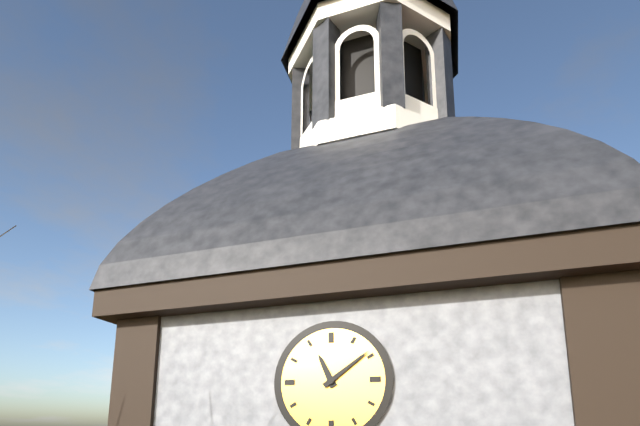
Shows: h=11 m=9
